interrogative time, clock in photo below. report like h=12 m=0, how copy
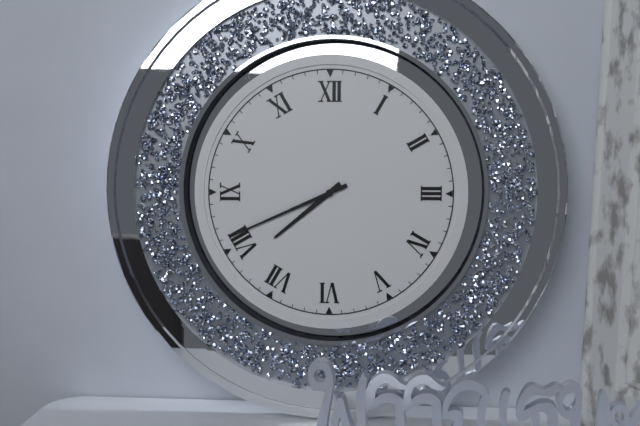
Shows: h=7 m=41
